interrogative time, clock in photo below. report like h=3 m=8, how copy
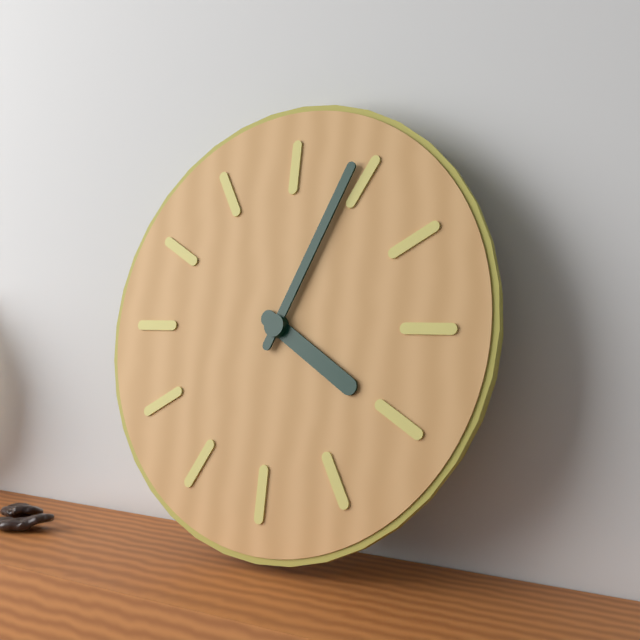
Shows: h=4 m=4
